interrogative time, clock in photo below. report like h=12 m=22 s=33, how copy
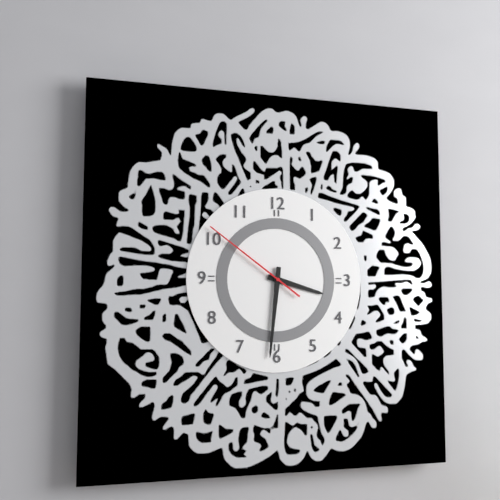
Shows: h=3 m=31 s=51
